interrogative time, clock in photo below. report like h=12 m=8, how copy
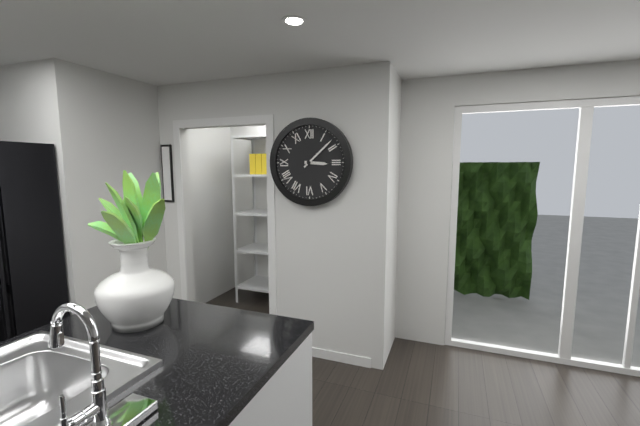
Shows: h=3 m=8
